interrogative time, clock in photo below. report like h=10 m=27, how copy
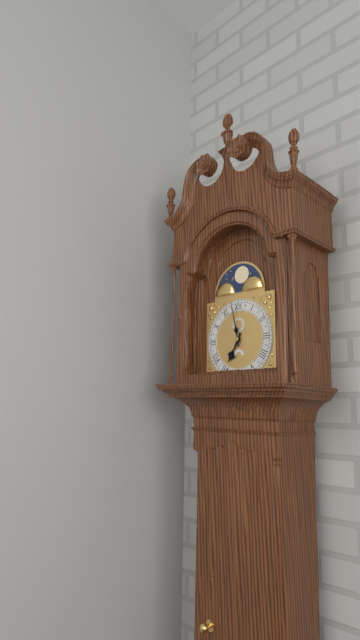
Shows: h=6 m=58
